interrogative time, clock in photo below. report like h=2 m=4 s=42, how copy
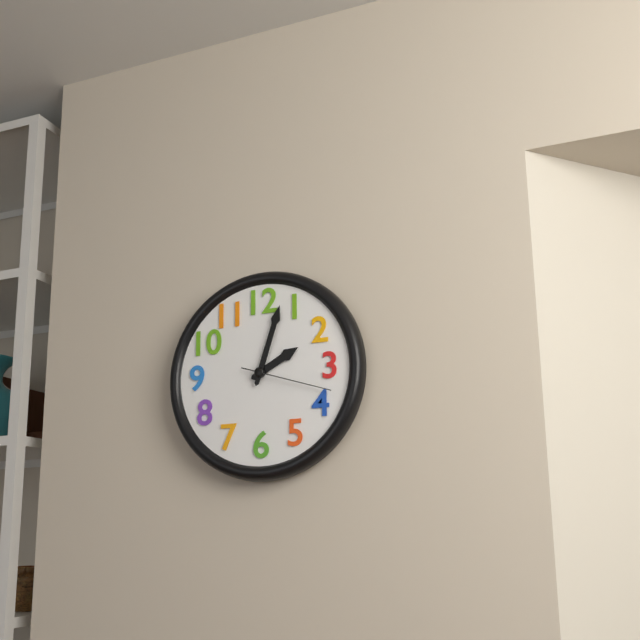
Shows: h=2 m=3 s=18
